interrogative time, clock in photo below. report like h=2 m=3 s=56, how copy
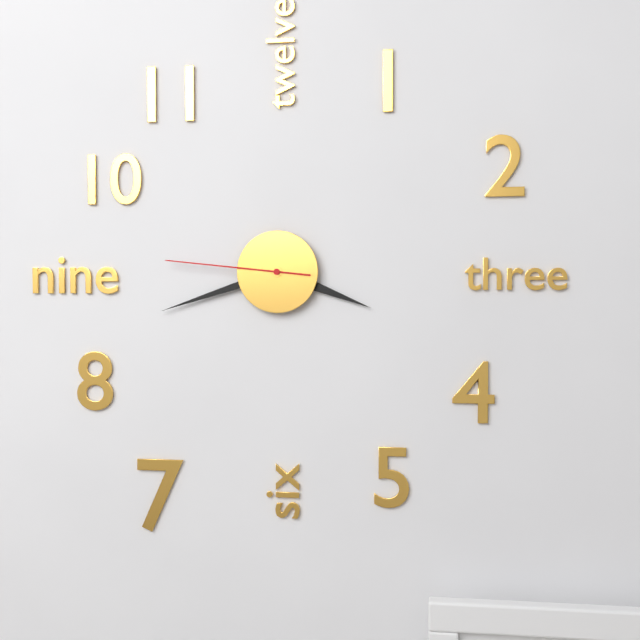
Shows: h=3 m=42 s=46
